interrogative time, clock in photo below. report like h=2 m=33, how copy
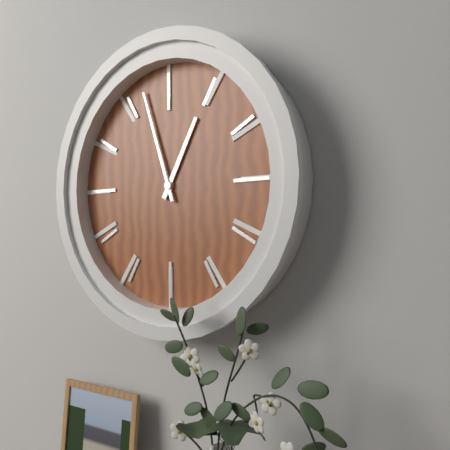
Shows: h=12 m=57
